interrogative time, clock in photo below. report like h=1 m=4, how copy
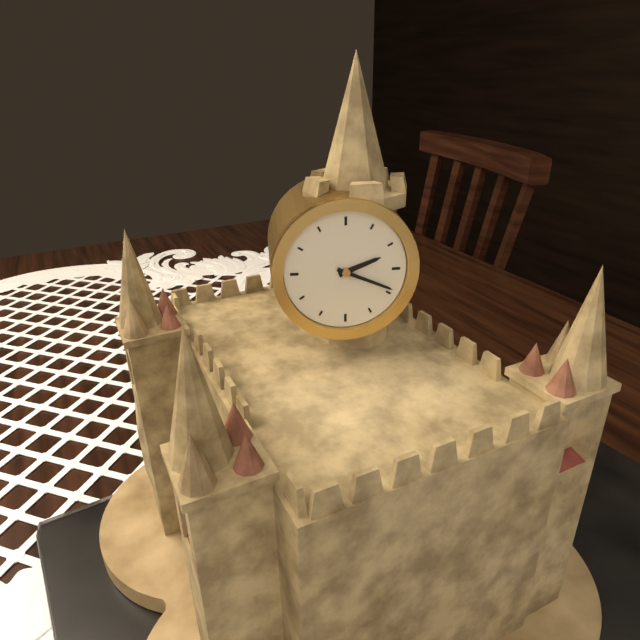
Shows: h=2 m=19
